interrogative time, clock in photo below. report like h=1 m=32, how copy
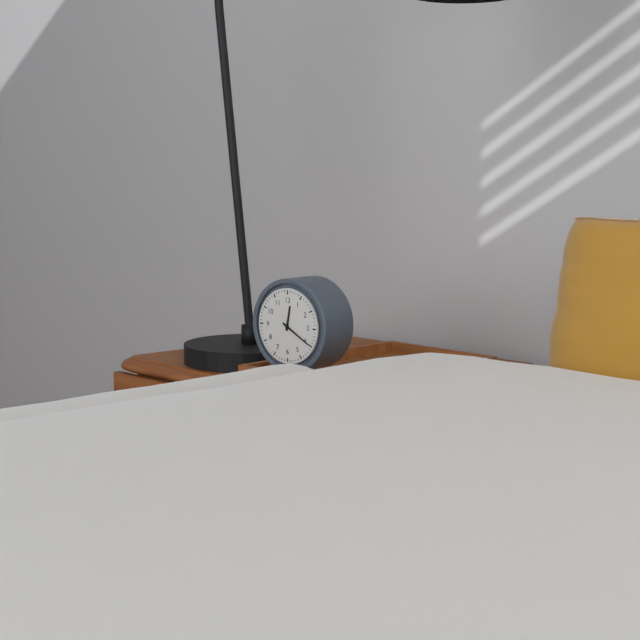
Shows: h=12 m=20
